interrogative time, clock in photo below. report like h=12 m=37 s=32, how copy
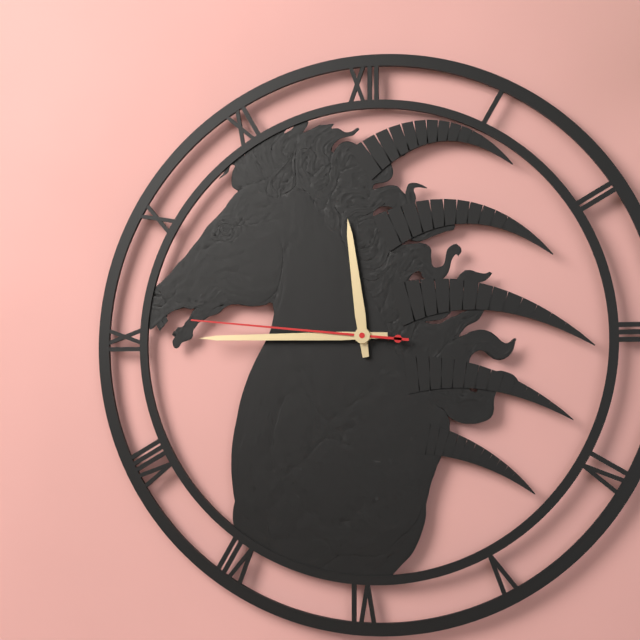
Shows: h=11 m=45 s=46
